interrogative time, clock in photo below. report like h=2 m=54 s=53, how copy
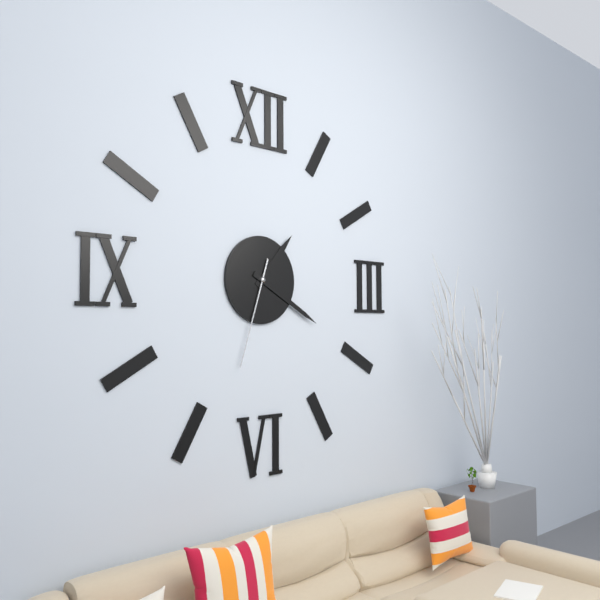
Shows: h=1 m=20 s=33
